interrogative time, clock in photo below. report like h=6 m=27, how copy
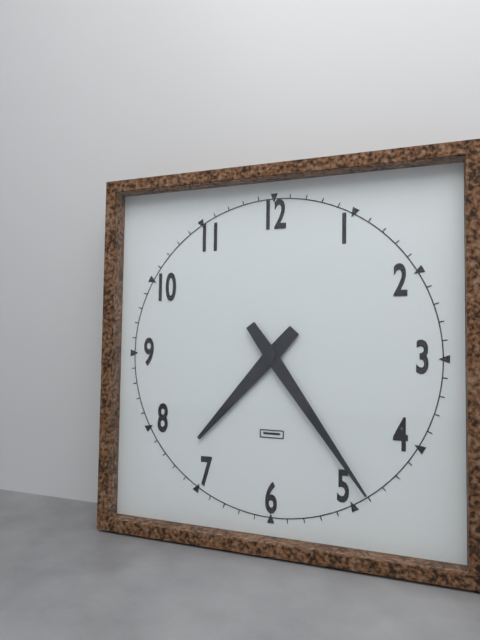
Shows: h=7 m=24
